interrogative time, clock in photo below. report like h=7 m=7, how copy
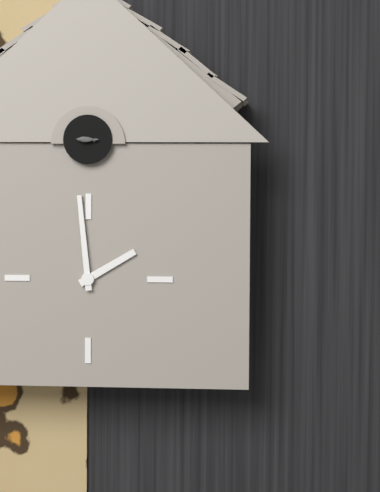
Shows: h=1 m=59
